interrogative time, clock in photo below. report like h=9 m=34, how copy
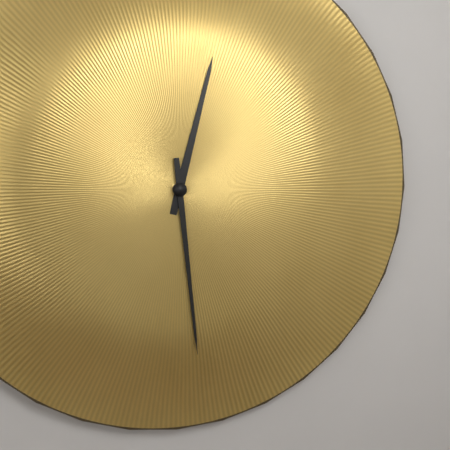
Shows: h=12 m=29
